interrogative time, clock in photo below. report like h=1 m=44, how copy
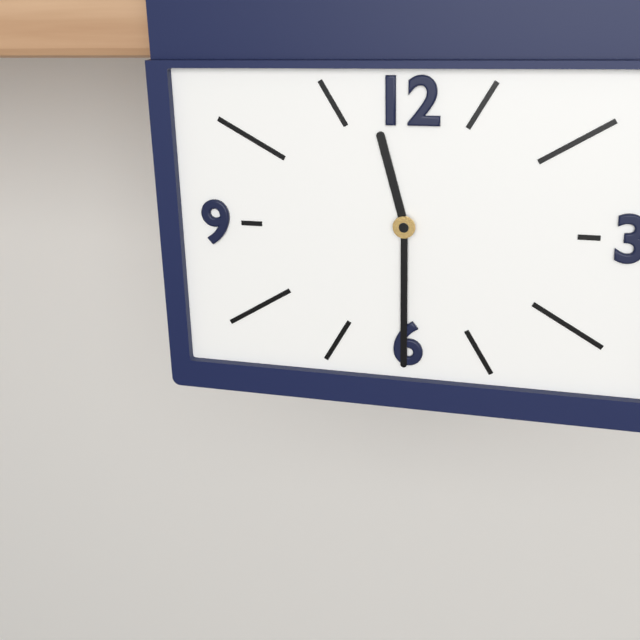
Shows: h=11 m=30
